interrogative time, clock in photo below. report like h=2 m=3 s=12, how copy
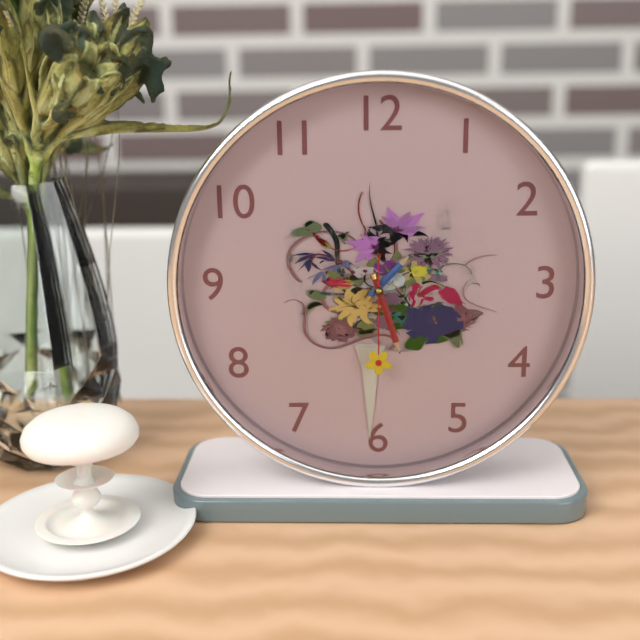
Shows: h=1 m=27 s=30
